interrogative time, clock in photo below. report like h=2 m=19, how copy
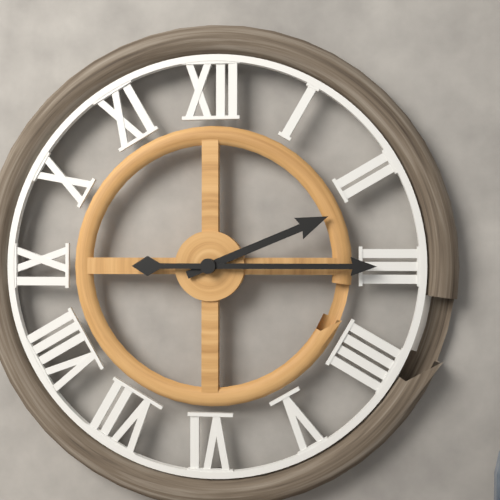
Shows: h=2 m=15
